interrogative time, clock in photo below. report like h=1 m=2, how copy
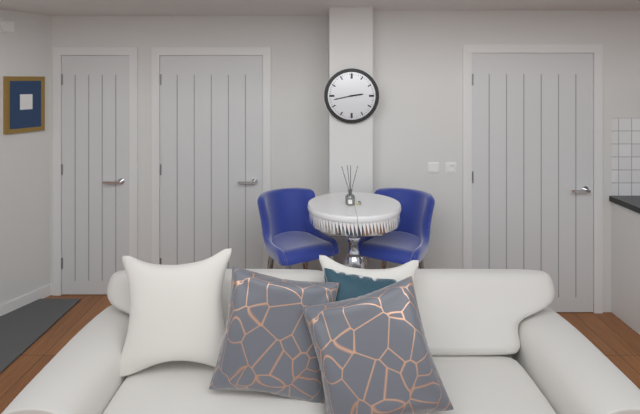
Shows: h=2 m=43
